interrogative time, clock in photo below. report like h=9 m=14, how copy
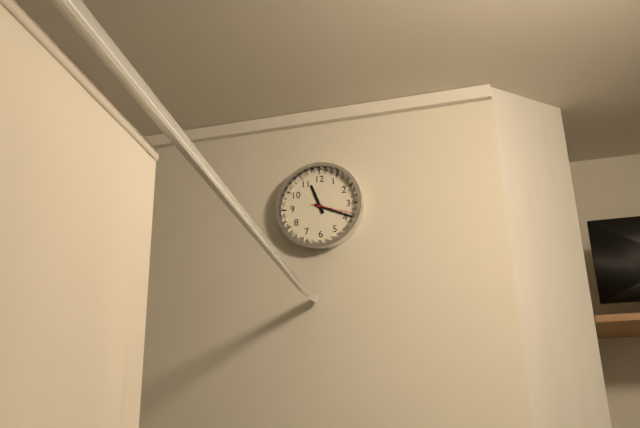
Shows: h=11 m=19
